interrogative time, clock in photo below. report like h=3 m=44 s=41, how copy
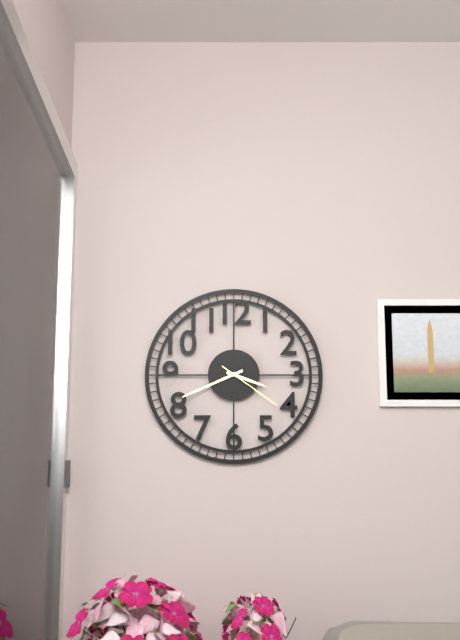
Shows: h=3 m=41 s=21
